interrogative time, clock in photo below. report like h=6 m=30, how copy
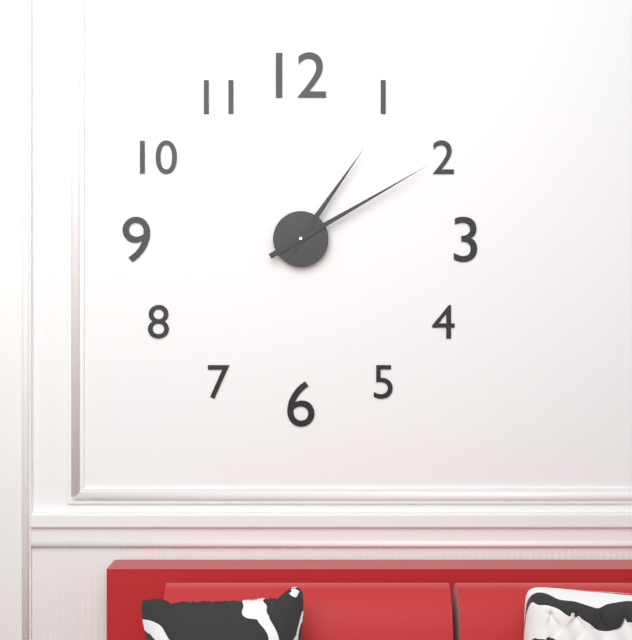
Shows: h=1 m=10
